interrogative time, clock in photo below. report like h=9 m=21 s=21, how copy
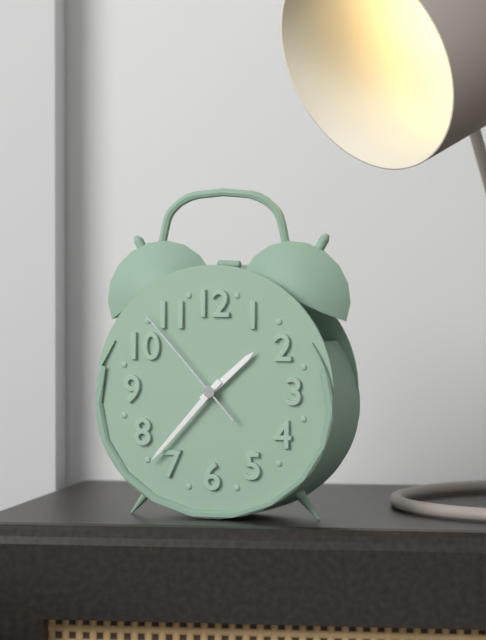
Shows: h=1 m=37 s=53
